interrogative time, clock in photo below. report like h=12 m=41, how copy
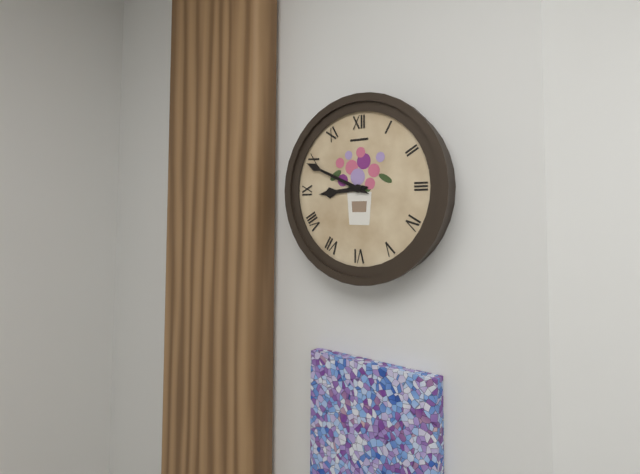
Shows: h=8 m=49
